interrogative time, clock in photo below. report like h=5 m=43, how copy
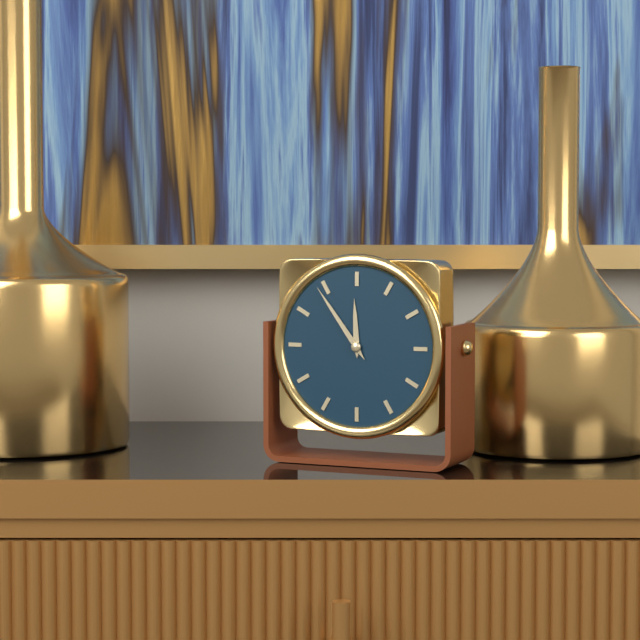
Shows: h=11 m=54
